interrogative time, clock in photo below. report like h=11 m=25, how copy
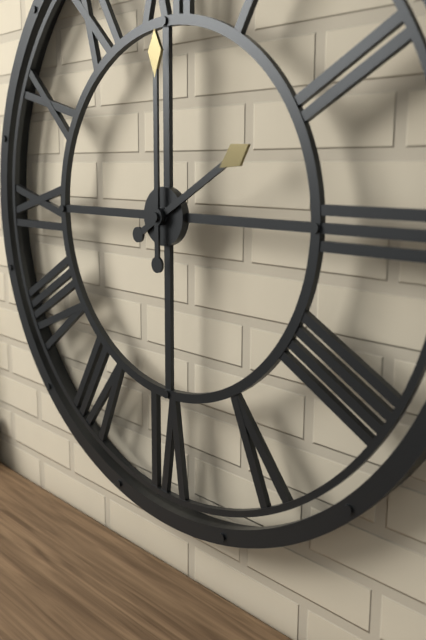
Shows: h=2 m=0
